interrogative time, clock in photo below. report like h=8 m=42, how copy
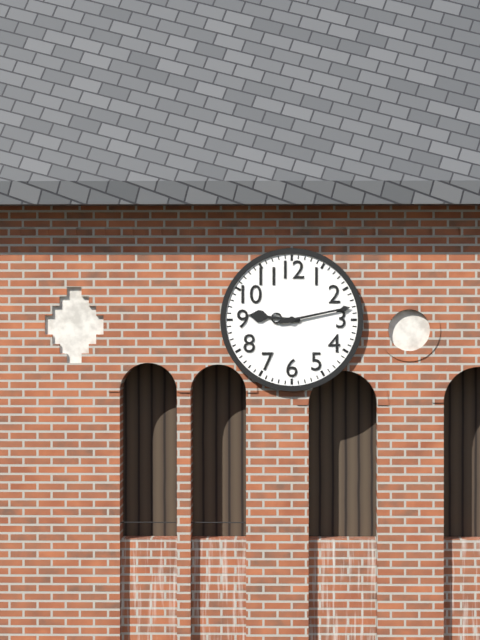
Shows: h=9 m=13
